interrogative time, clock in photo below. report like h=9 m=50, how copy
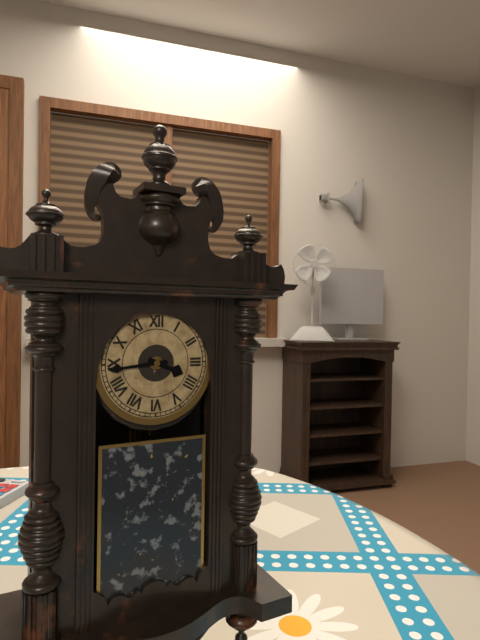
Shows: h=3 m=44
